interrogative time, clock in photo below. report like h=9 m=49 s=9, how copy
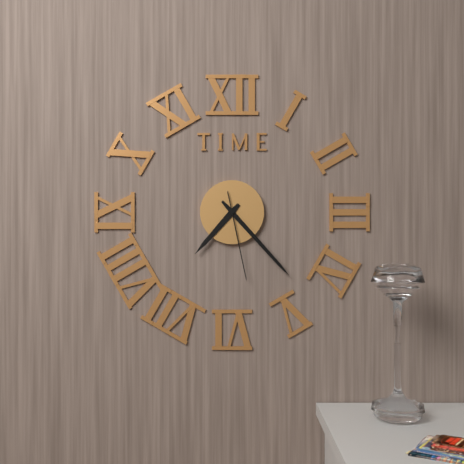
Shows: h=7 m=23 s=28
